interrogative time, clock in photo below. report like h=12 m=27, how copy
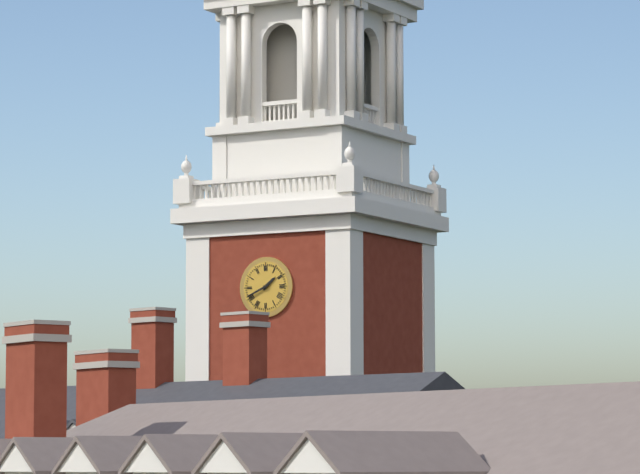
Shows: h=1 m=41
